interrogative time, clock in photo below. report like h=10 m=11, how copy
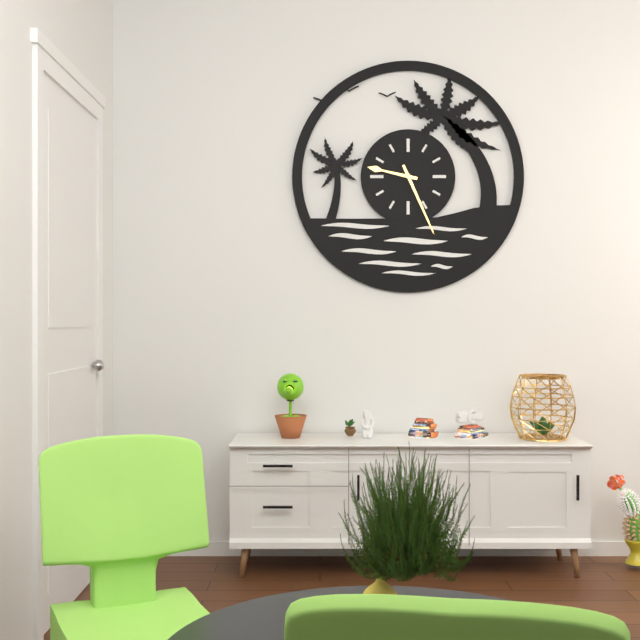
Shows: h=9 m=26
